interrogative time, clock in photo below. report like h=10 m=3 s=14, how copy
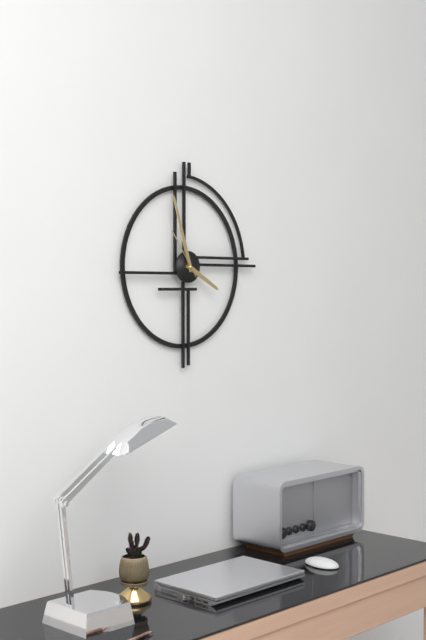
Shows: h=3 m=57 s=54
